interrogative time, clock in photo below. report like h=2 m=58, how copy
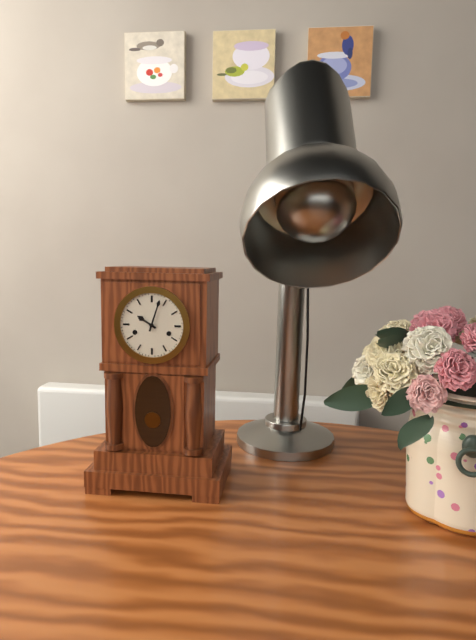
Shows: h=10 m=3
